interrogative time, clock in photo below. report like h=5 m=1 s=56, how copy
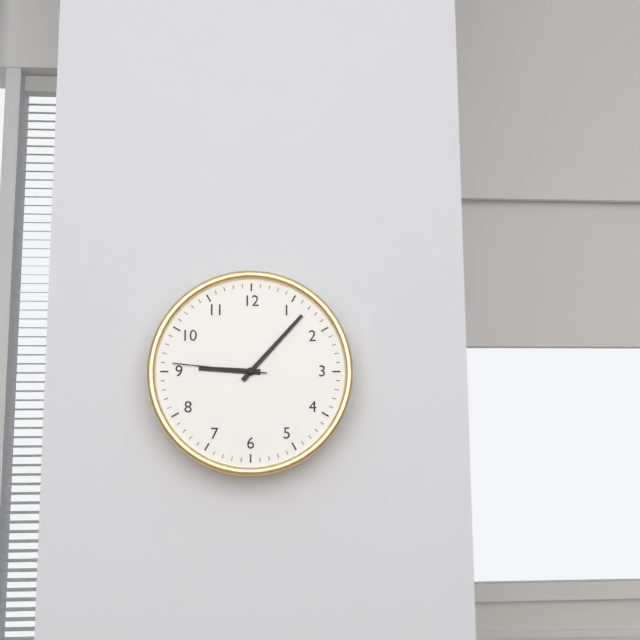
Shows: h=9 m=7 s=46
